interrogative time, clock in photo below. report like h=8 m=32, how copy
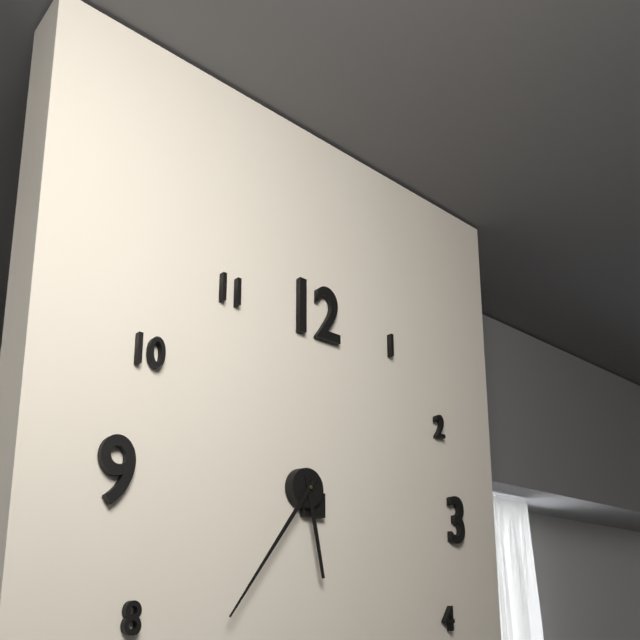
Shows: h=5 m=36
